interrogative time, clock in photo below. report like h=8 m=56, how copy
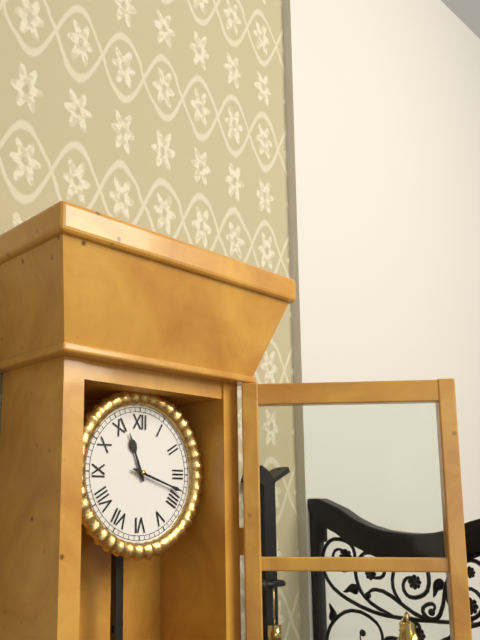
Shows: h=11 m=18
